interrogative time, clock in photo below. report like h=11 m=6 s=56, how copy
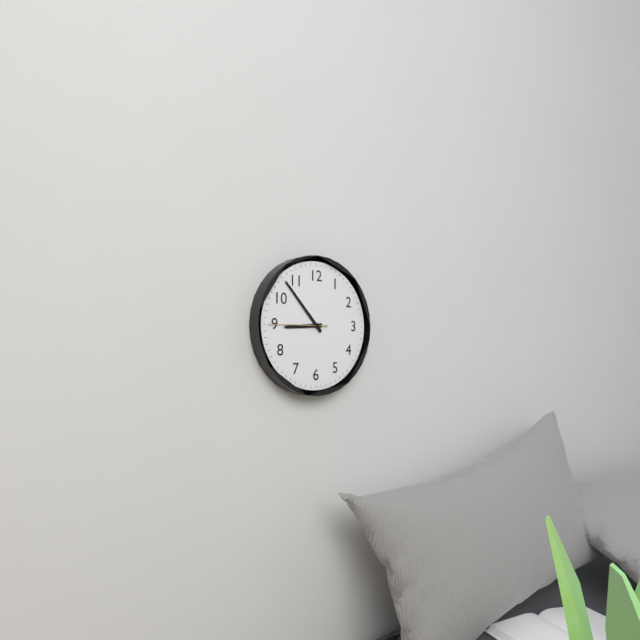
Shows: h=8 m=53 s=45
